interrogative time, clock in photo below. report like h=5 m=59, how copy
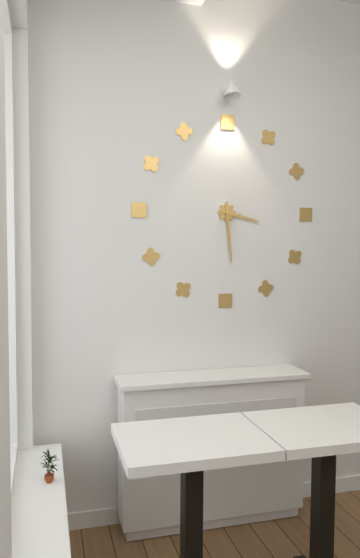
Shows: h=3 m=29
